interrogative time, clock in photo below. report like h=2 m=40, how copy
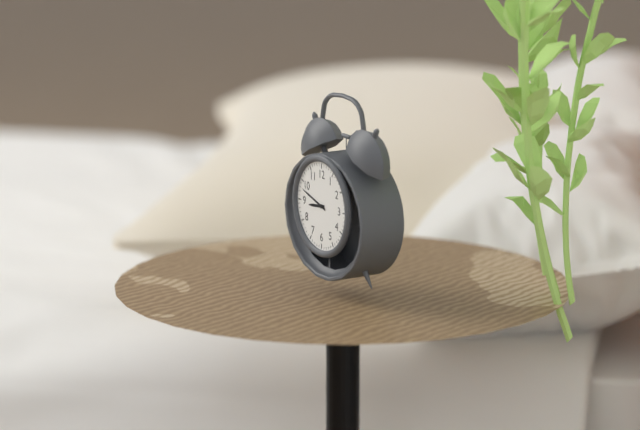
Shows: h=8 m=48
